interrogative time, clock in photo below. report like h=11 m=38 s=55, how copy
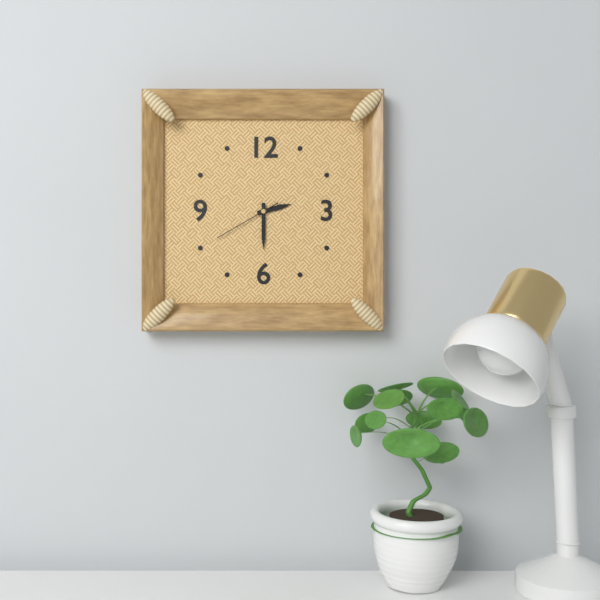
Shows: h=2 m=30 s=40
